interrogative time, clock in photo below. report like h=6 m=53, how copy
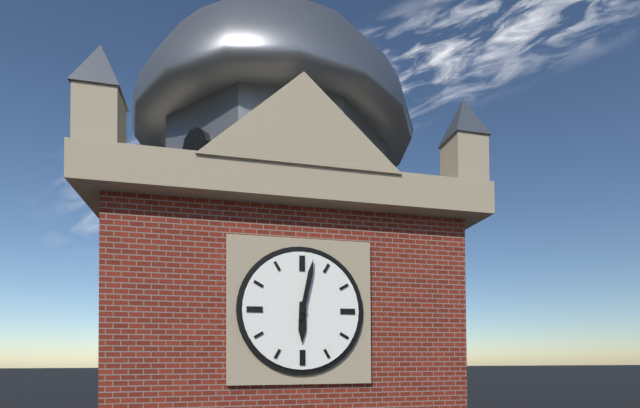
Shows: h=6 m=2
